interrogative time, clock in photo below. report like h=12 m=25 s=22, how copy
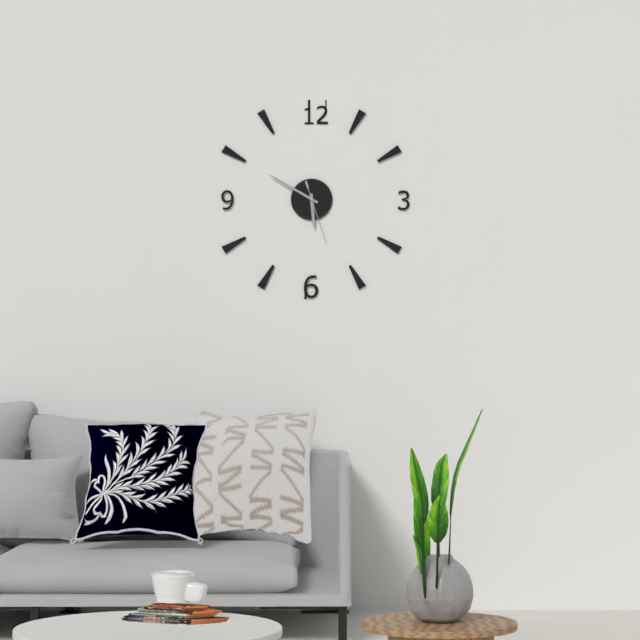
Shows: h=5 m=50 s=27
